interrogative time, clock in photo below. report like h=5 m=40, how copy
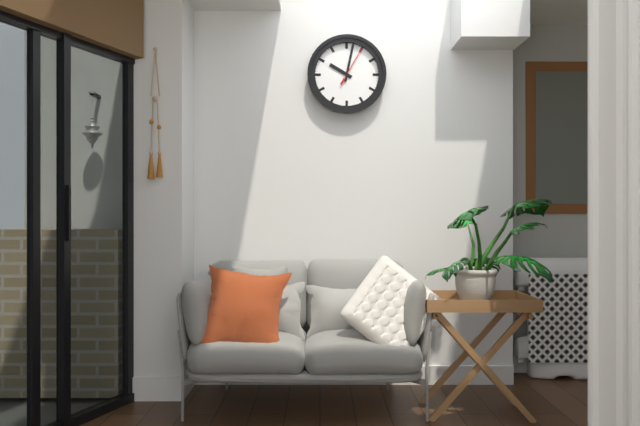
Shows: h=10 m=2
